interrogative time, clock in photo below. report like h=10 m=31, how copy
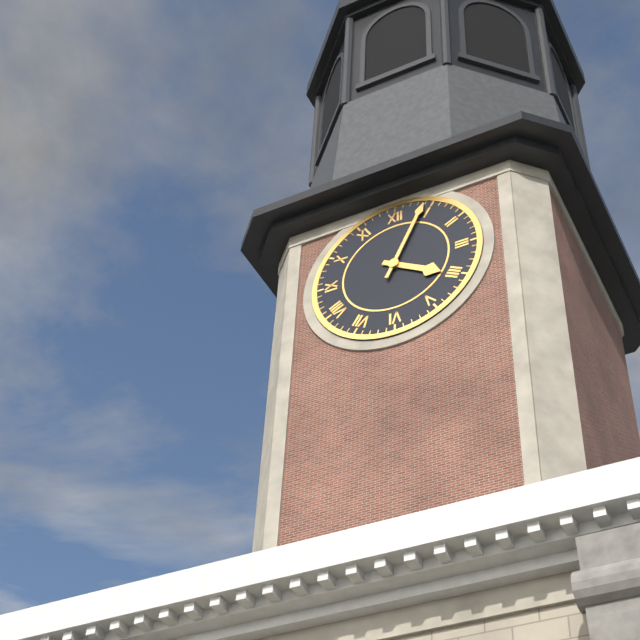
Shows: h=4 m=4
